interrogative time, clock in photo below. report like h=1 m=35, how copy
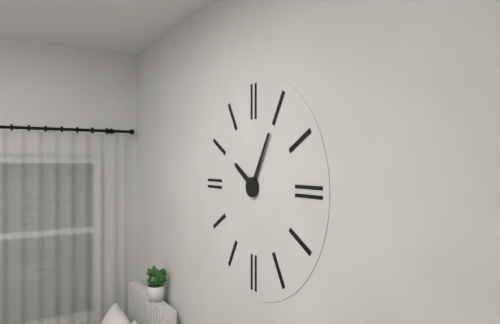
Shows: h=10 m=5
